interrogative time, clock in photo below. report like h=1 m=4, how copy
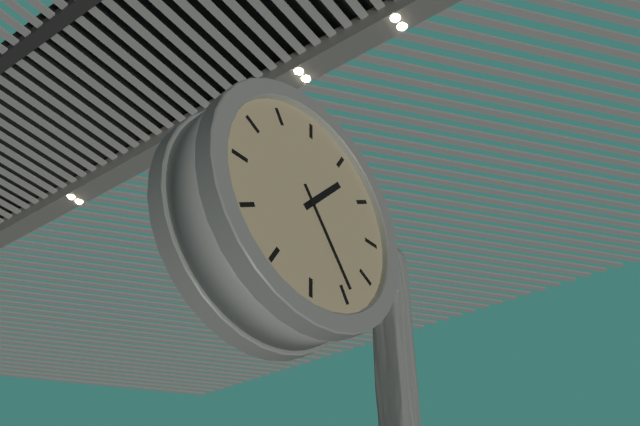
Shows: h=1 m=24
